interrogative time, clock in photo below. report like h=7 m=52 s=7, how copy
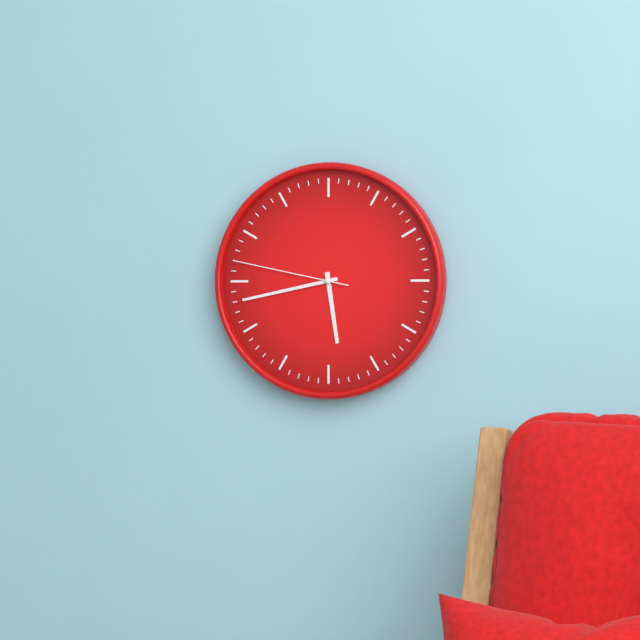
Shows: h=5 m=43 s=47
